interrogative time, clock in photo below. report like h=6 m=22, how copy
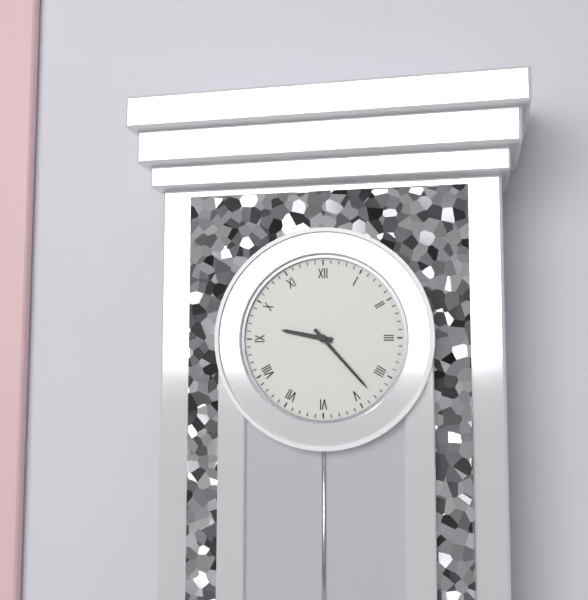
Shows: h=9 m=23
